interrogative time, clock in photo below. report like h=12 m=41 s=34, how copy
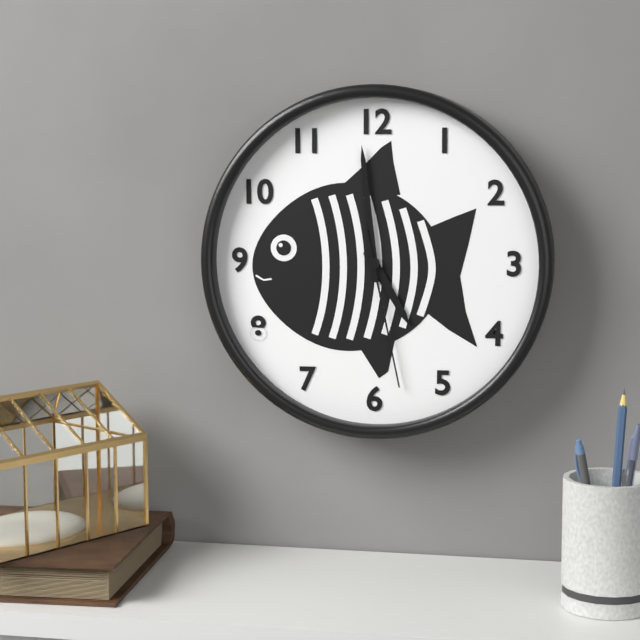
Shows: h=4 m=59 s=28
